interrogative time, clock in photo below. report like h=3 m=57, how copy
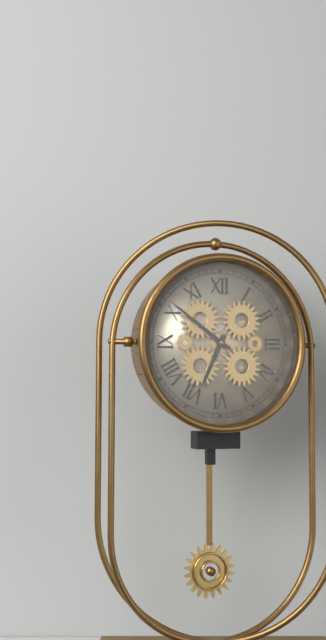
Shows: h=6 m=51
